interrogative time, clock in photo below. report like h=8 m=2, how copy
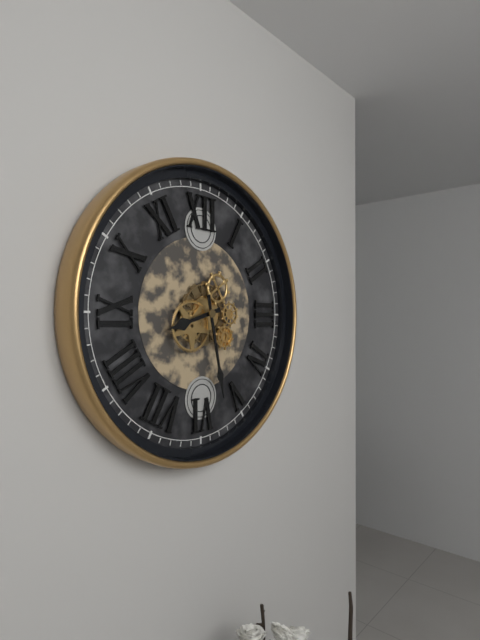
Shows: h=8 m=28
